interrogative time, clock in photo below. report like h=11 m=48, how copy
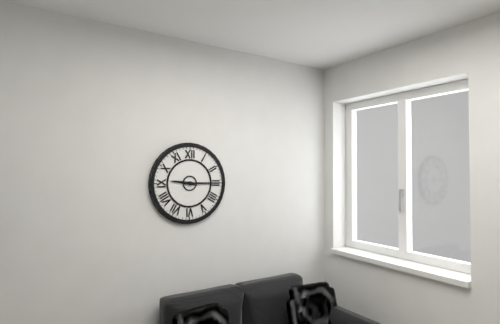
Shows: h=9 m=15
